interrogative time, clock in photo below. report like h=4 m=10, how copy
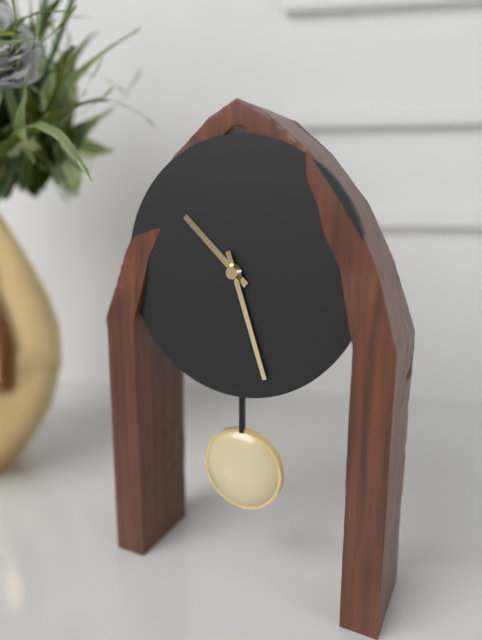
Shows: h=10 m=27
